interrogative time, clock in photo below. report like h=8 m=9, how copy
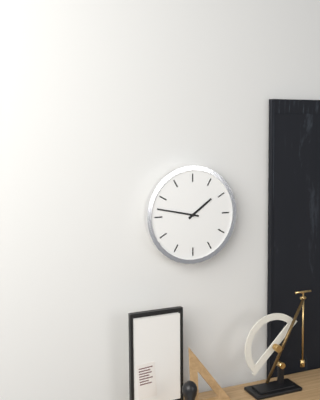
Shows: h=1 m=47
